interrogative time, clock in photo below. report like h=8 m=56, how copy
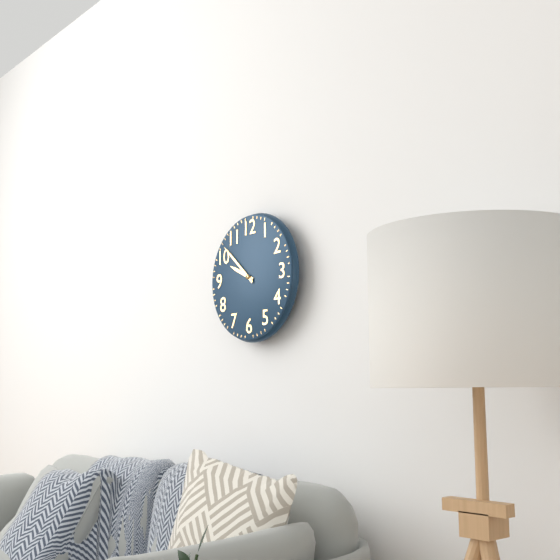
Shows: h=9 m=52
